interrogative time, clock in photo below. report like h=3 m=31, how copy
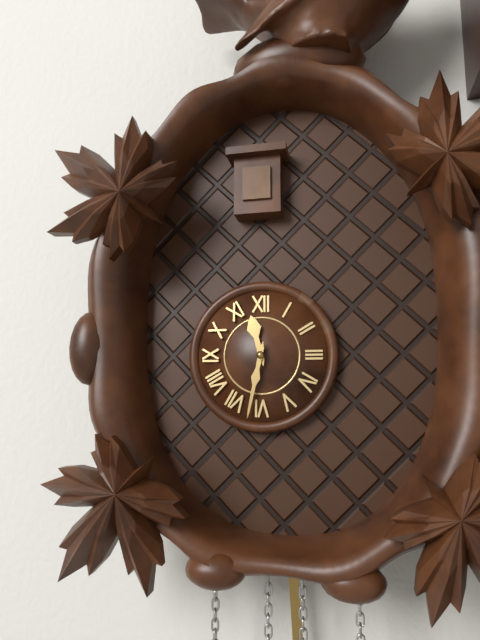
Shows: h=11 m=32
